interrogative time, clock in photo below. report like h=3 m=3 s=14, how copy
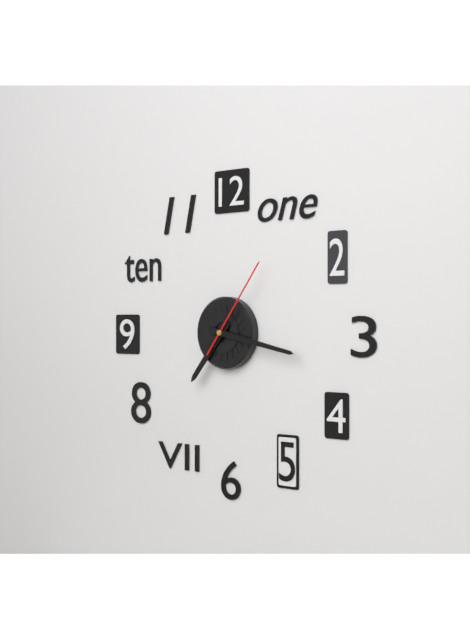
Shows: h=7 m=17 s=6
